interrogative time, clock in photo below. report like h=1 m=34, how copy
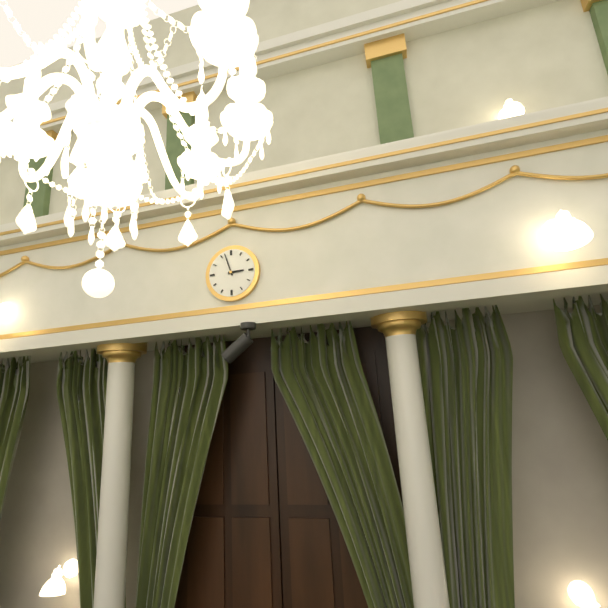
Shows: h=2 m=57
